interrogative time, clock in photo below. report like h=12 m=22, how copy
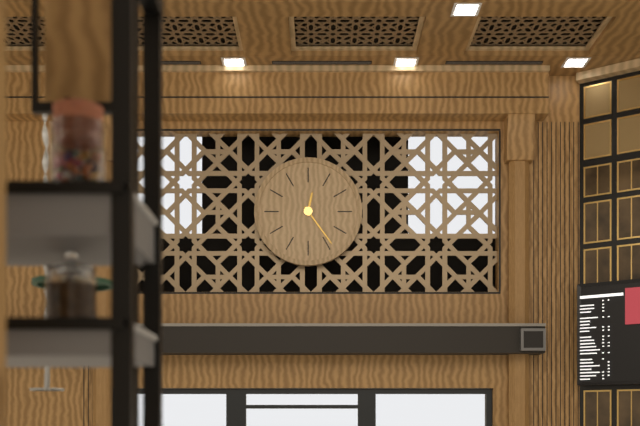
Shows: h=12 m=24
